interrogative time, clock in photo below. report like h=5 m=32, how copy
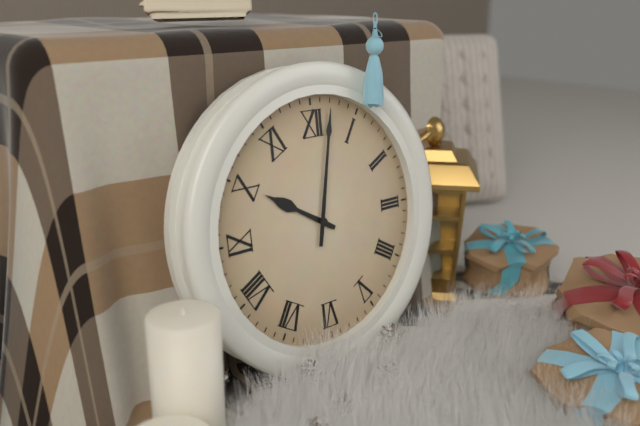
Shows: h=10 m=2
